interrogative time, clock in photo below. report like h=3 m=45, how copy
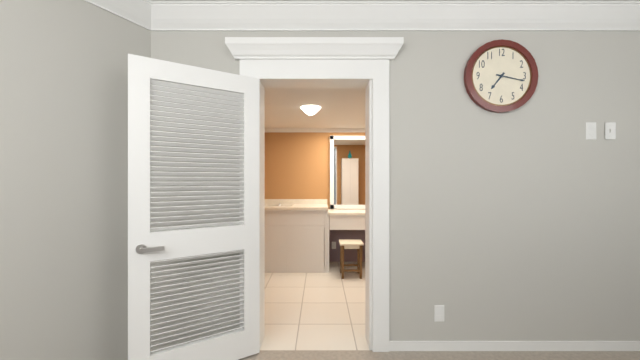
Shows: h=7 m=17
